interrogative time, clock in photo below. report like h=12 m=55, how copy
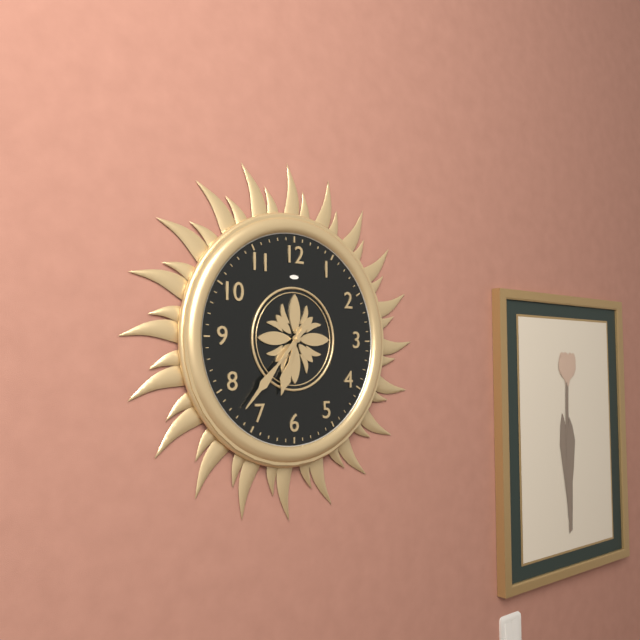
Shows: h=6 m=37
